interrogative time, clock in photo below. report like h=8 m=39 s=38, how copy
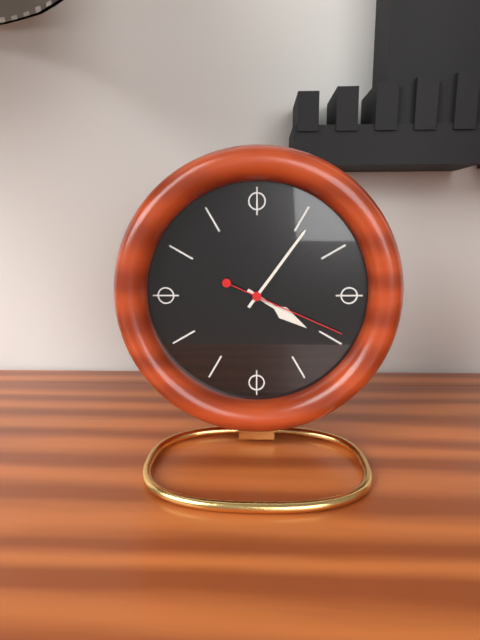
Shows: h=4 m=6 s=19
